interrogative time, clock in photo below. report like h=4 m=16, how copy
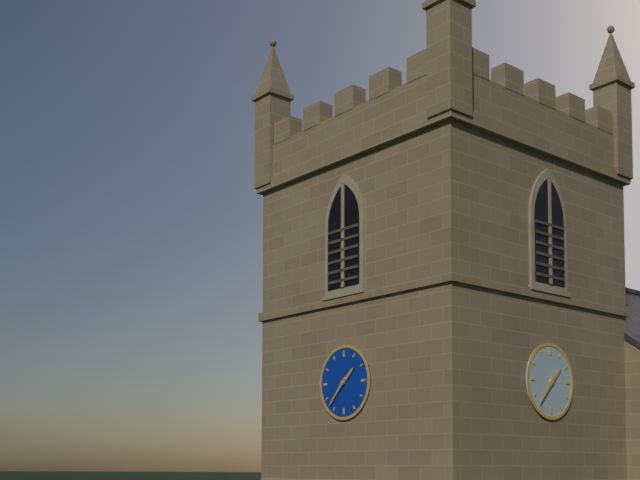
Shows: h=1 m=37
